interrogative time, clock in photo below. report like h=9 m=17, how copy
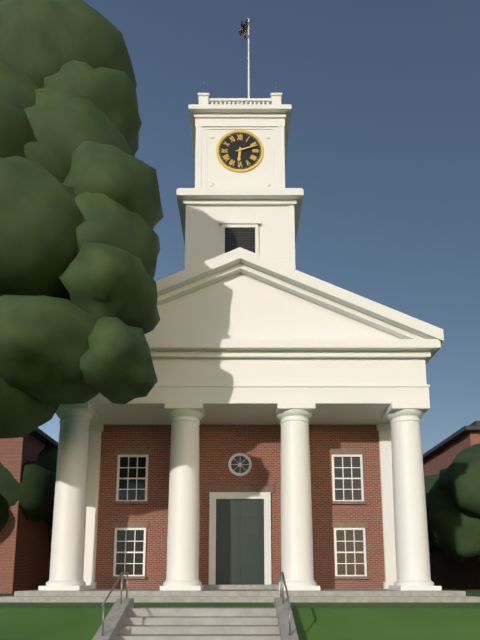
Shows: h=6 m=12
